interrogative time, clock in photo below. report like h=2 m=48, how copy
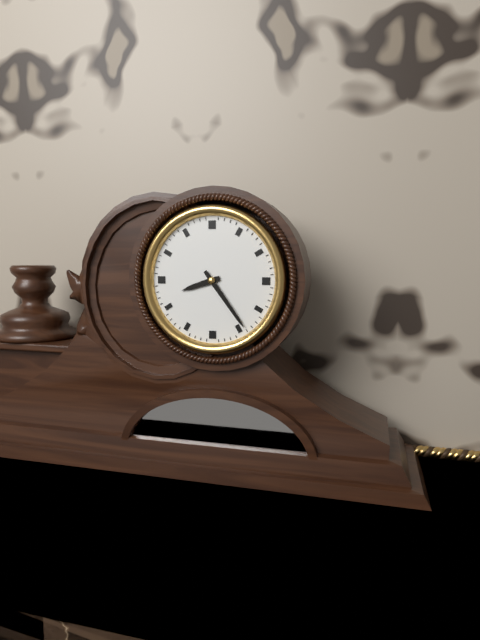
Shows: h=8 m=24
